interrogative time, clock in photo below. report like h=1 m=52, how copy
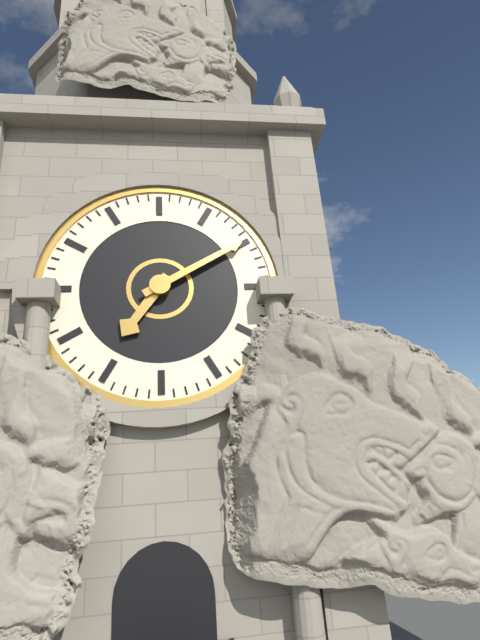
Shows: h=7 m=10
